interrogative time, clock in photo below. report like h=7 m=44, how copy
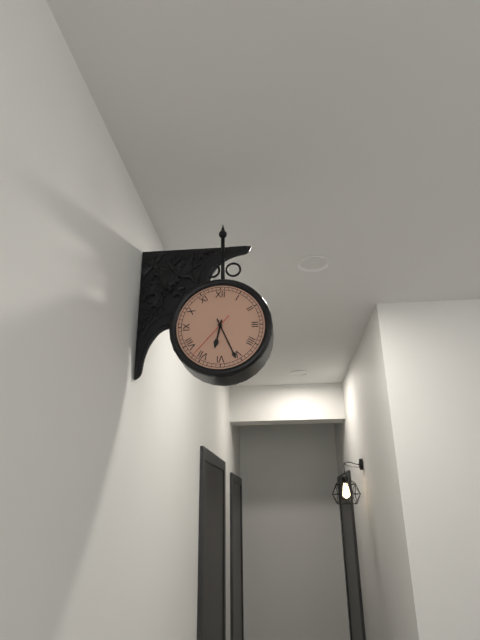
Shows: h=6 m=26
